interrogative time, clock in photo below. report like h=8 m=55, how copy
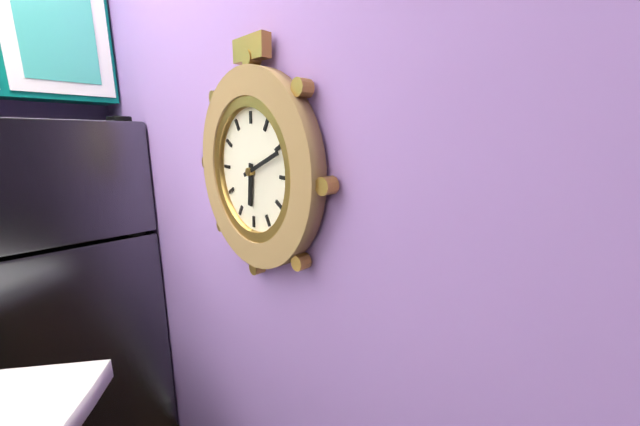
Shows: h=6 m=11
